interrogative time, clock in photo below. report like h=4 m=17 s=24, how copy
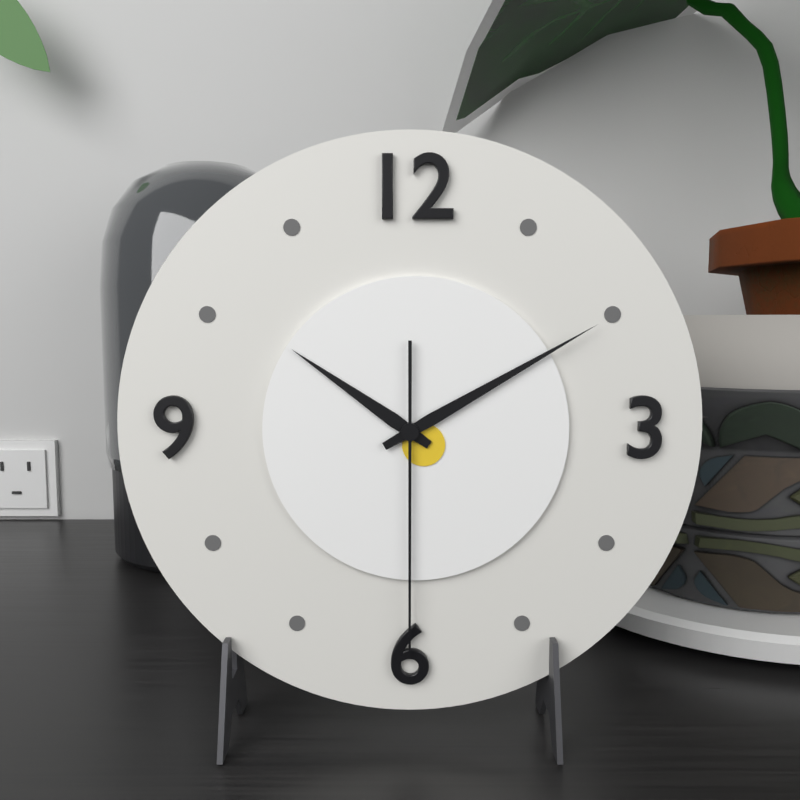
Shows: h=10 m=10 s=30
